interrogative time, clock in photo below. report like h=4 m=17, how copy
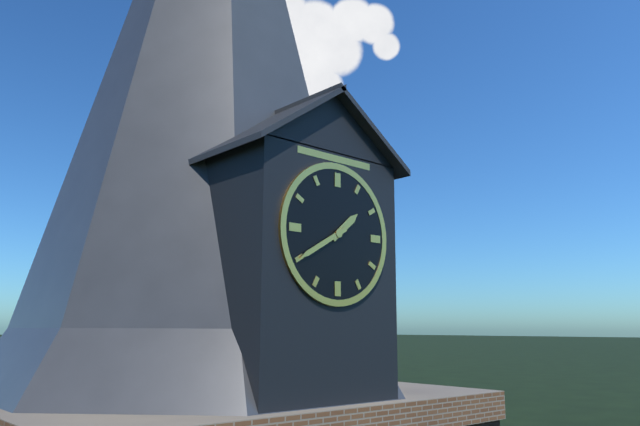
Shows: h=1 m=40
